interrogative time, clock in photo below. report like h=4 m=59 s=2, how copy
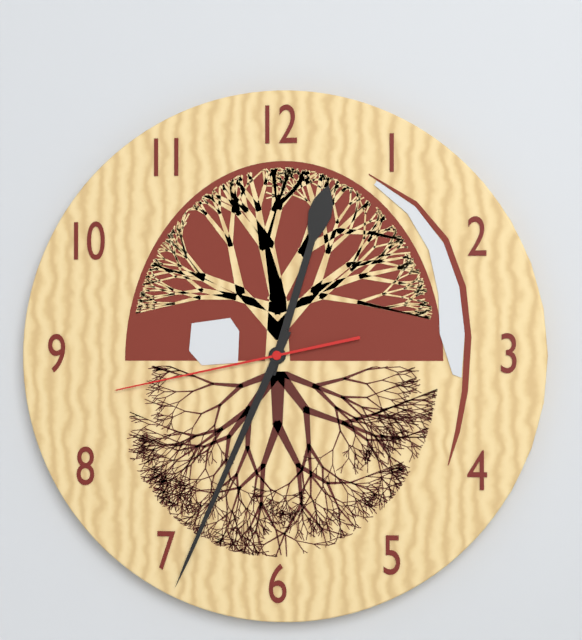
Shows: h=12 m=34 s=43
